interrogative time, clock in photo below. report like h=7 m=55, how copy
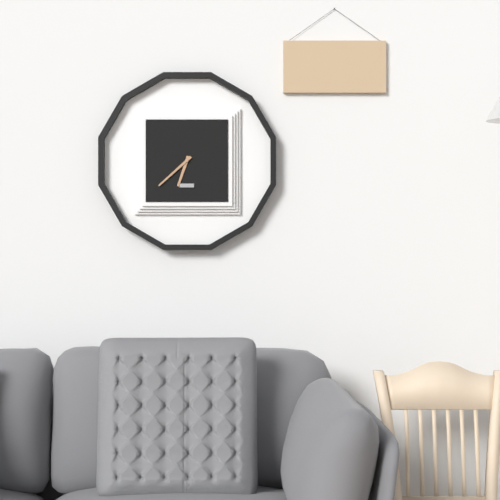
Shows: h=6 m=38
